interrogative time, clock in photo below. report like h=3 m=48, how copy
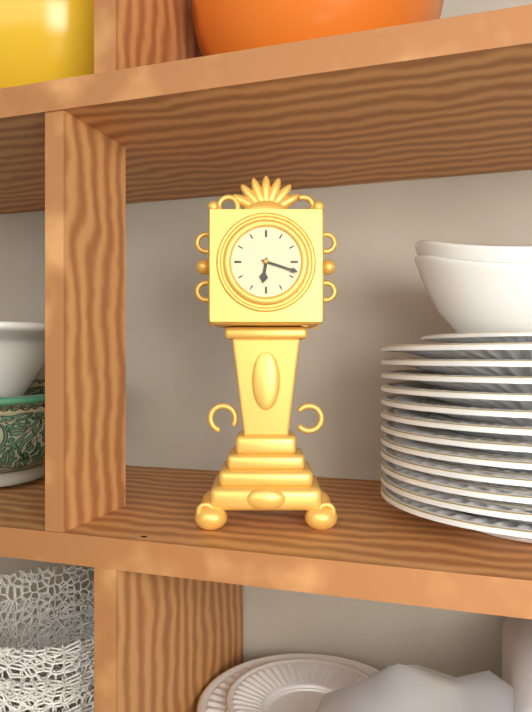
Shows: h=6 m=18
